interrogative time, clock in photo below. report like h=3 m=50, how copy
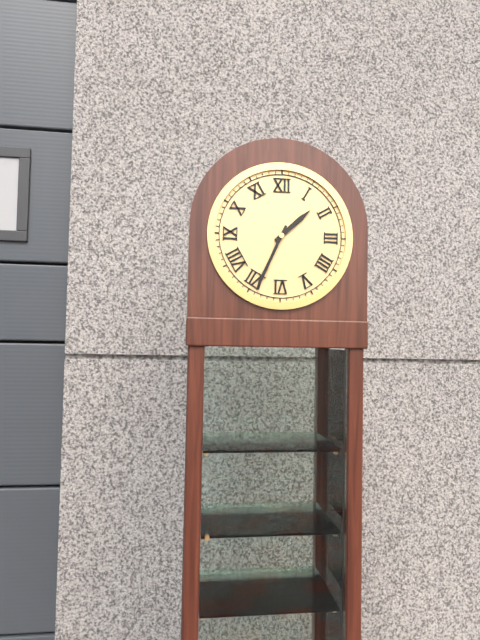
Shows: h=1 m=34
